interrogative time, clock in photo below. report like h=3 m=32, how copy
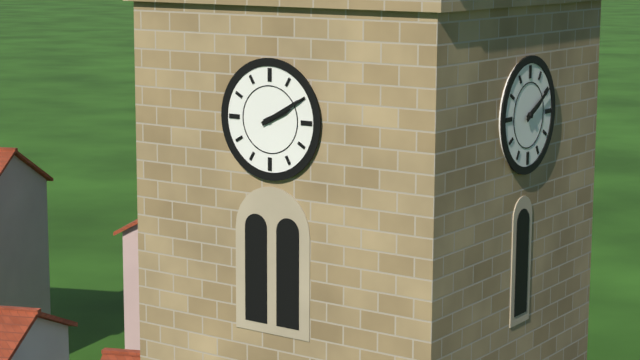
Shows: h=2 m=10
